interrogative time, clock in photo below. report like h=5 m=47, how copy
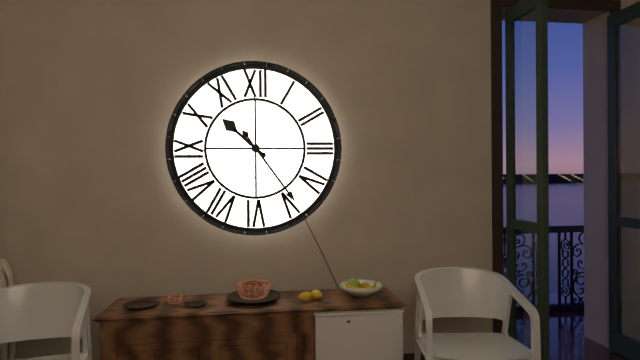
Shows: h=10 m=24
